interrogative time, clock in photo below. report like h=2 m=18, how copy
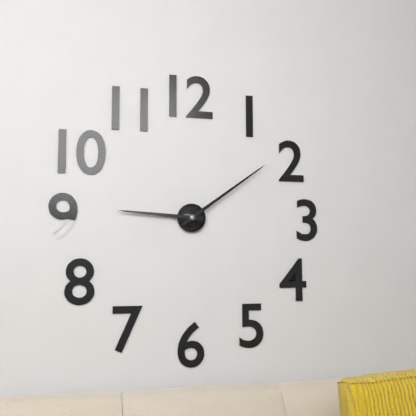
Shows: h=9 m=9
